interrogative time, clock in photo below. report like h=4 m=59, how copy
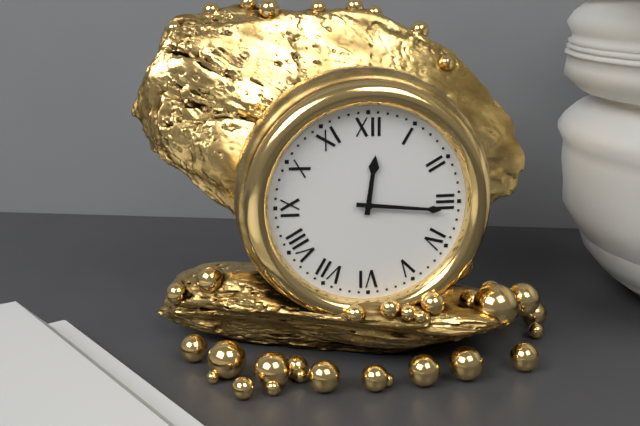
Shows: h=12 m=16
